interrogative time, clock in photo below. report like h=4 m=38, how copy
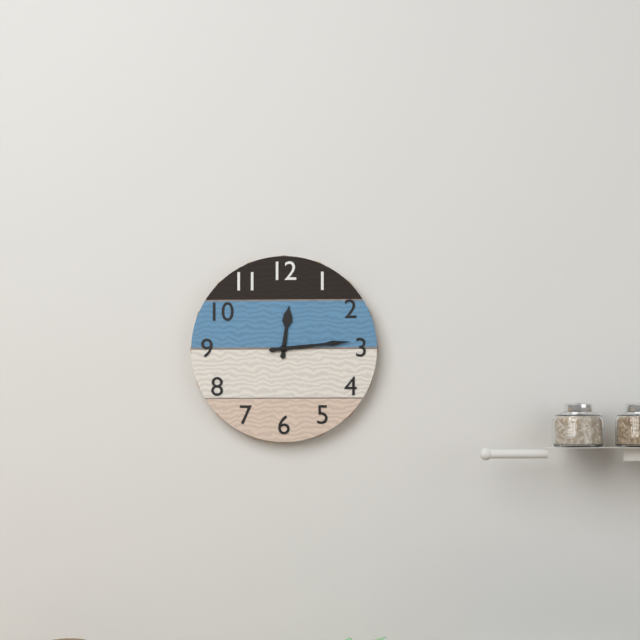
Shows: h=12 m=14
